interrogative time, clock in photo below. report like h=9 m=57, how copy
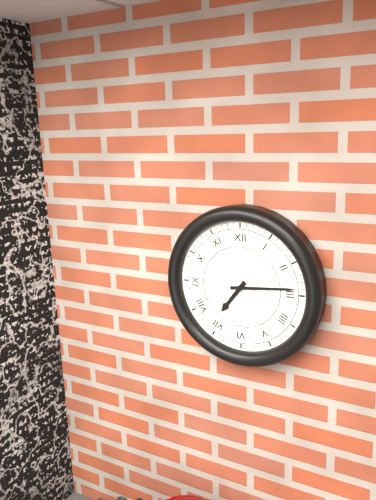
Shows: h=7 m=14
